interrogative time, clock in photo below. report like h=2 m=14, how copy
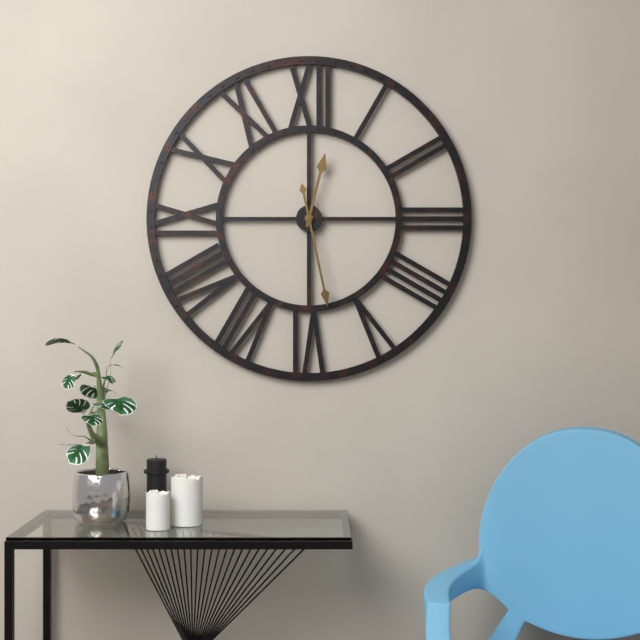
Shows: h=12 m=28
